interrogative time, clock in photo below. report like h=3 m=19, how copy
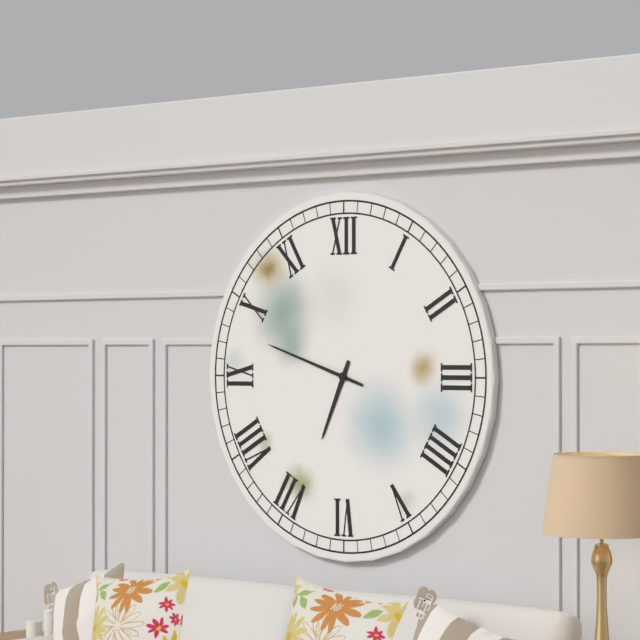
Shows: h=6 m=48
